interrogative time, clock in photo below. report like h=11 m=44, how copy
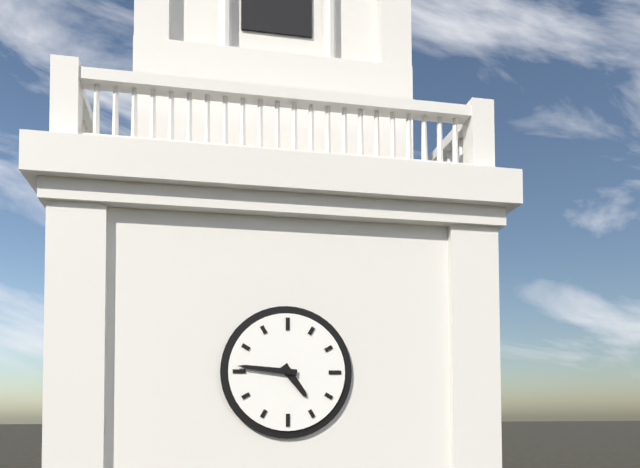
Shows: h=4 m=46
